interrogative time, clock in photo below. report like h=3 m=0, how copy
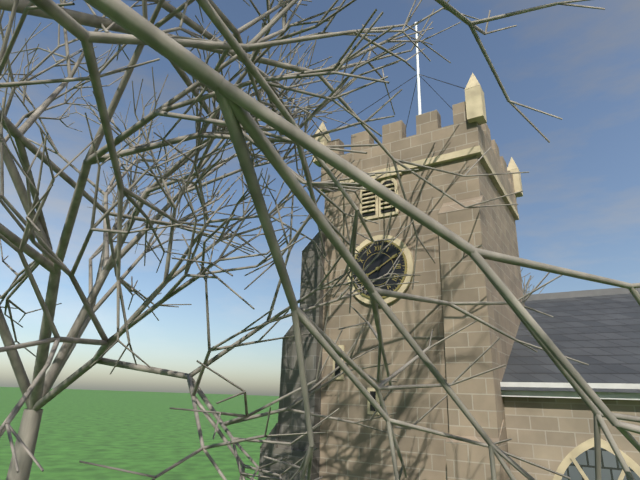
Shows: h=8 m=10
